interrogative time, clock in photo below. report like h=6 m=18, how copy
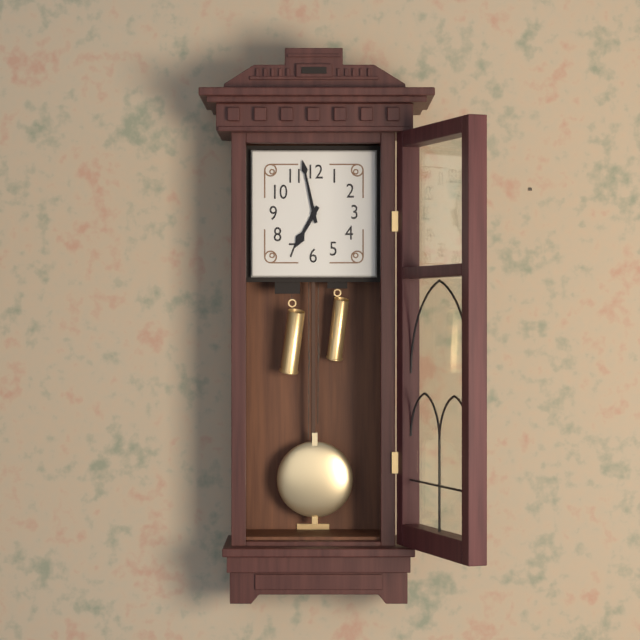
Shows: h=6 m=58
